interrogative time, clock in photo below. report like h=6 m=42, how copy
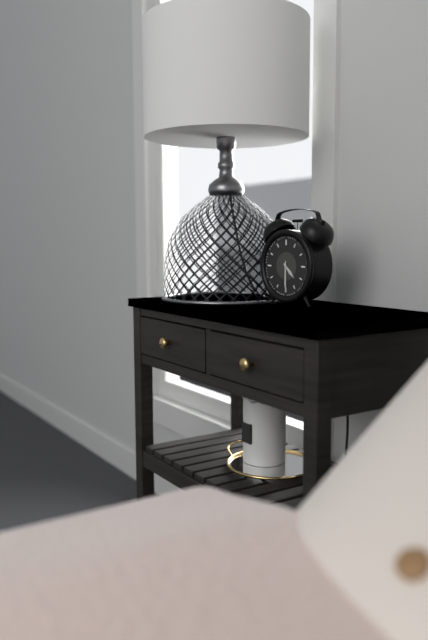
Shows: h=4 m=30
